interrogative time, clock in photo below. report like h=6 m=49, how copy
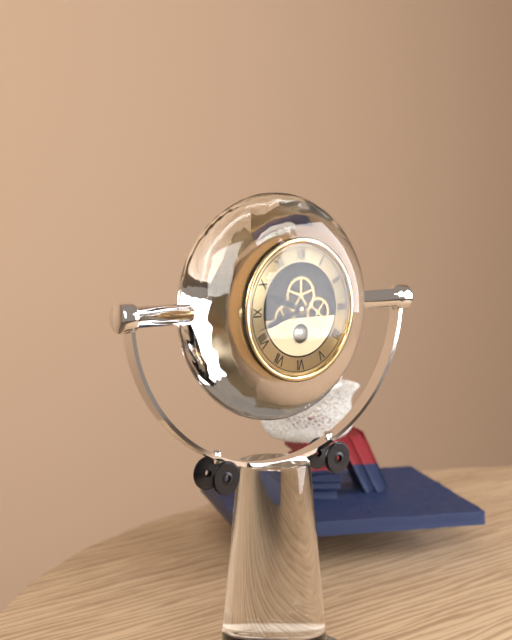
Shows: h=9 m=42
